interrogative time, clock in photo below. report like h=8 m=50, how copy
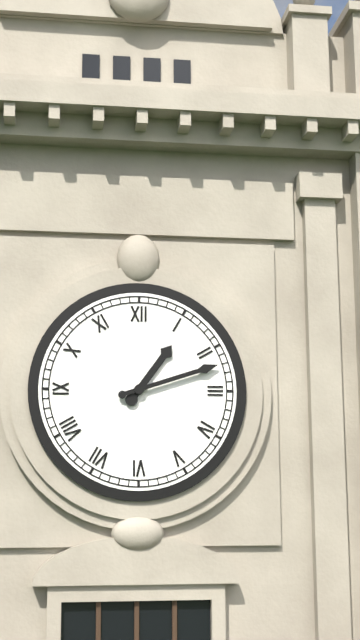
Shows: h=1 m=12
